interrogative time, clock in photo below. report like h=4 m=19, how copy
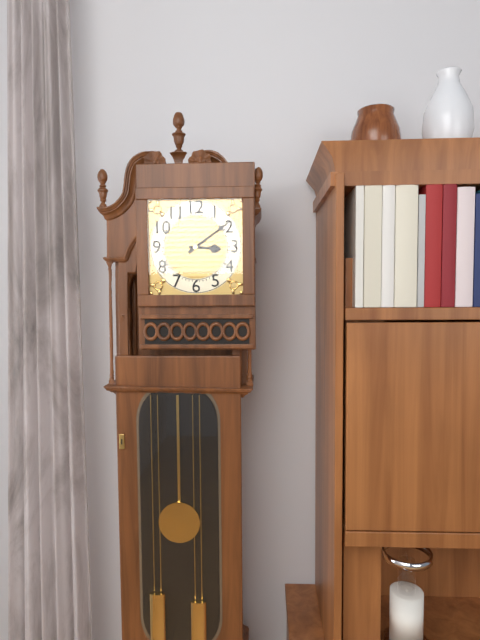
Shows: h=3 m=9
